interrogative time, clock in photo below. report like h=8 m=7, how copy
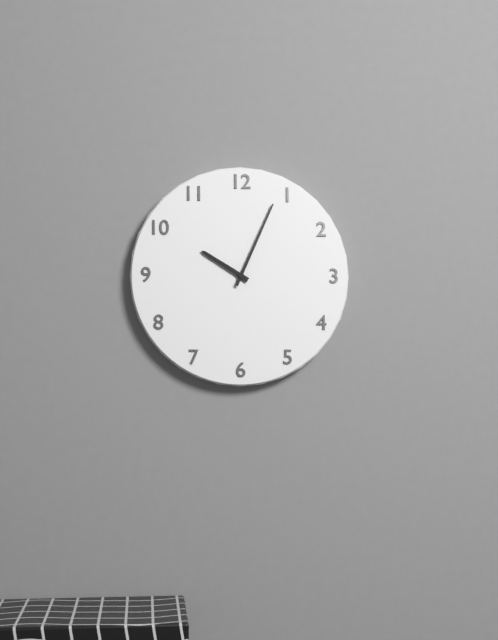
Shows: h=10 m=4
